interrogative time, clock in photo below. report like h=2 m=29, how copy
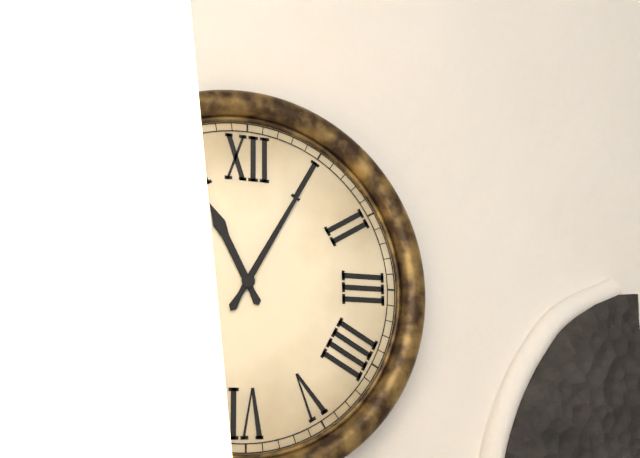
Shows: h=11 m=5
